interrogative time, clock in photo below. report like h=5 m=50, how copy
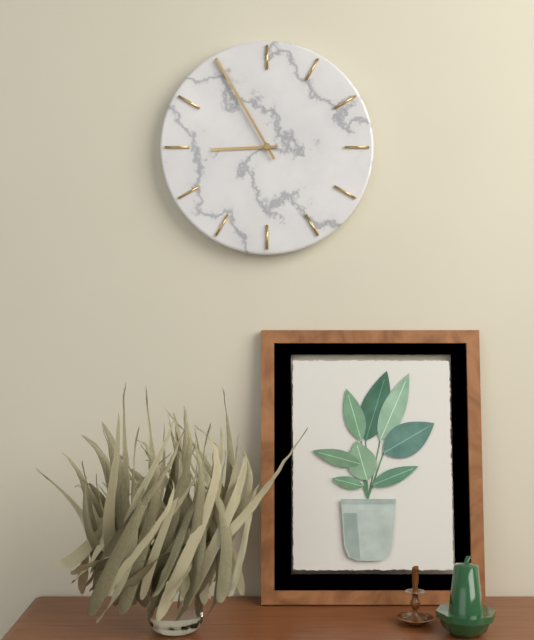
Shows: h=8 m=55
